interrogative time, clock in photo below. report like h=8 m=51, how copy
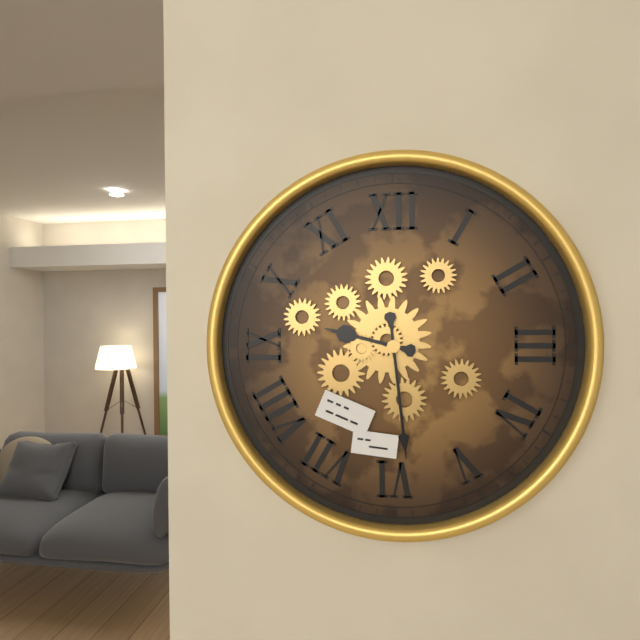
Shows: h=9 m=29
